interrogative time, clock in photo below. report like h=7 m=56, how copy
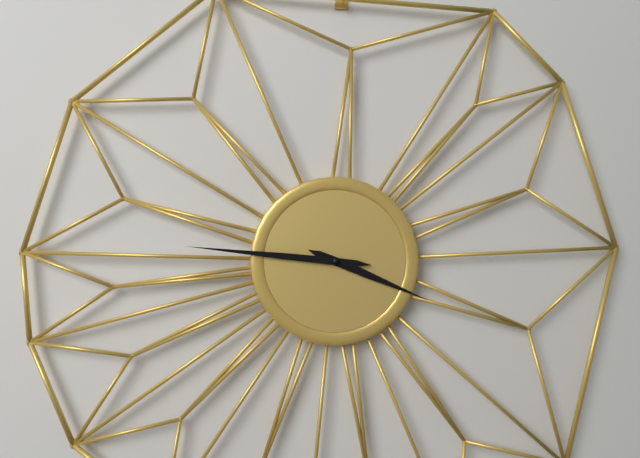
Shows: h=3 m=46
